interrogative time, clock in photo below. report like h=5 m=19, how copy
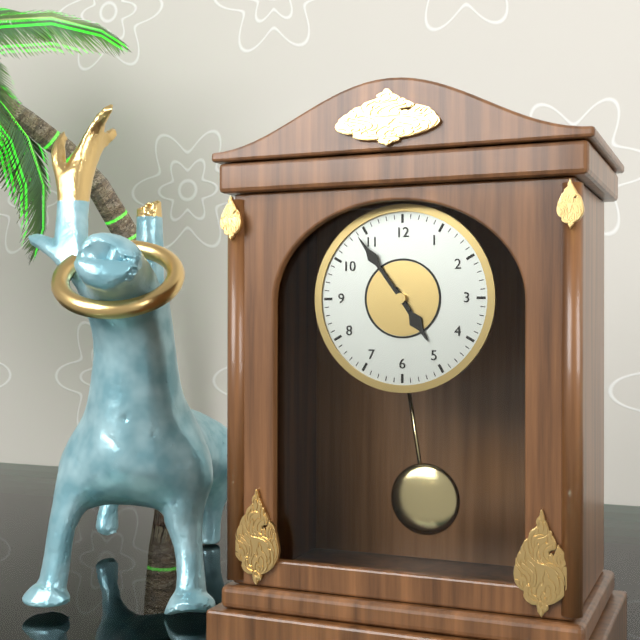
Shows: h=4 m=54
